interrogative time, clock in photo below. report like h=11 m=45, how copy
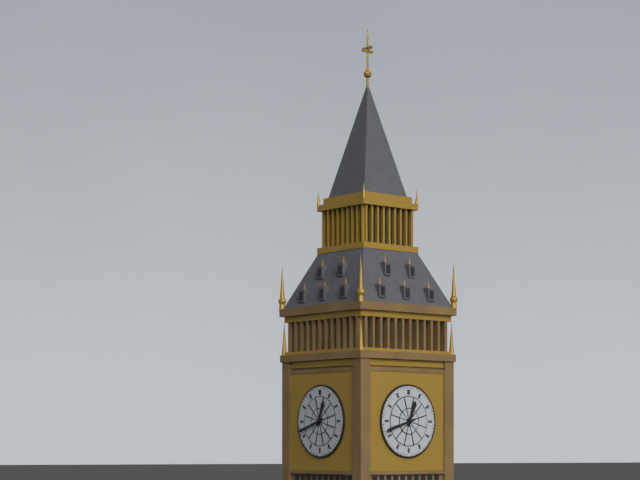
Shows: h=12 m=42
